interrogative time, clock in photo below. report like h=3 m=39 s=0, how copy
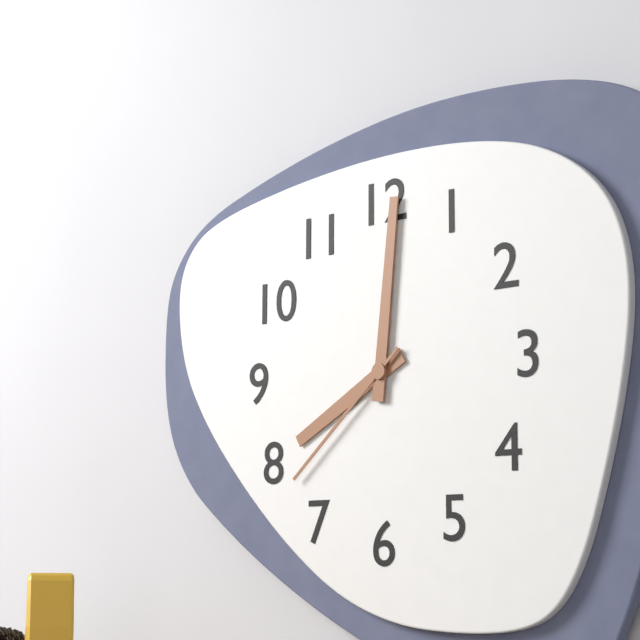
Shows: h=8 m=1 s=38
